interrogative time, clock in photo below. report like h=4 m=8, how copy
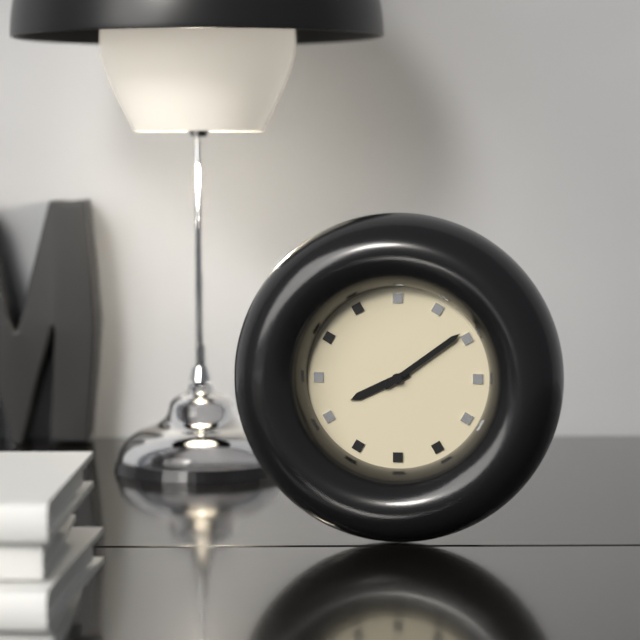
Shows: h=8 m=9
